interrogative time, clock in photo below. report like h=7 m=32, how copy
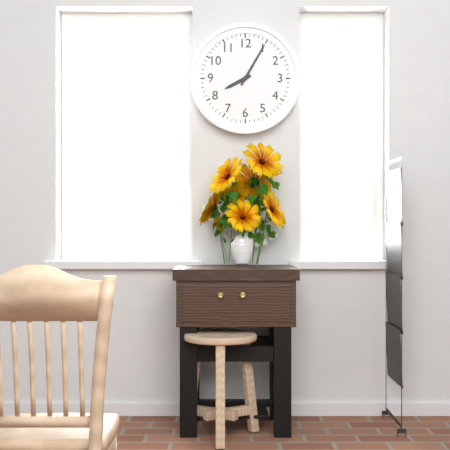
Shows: h=8 m=5
